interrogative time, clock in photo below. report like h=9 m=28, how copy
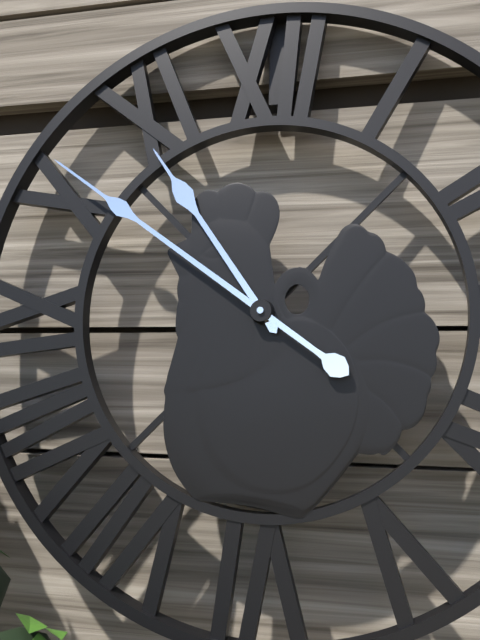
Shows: h=10 m=51
